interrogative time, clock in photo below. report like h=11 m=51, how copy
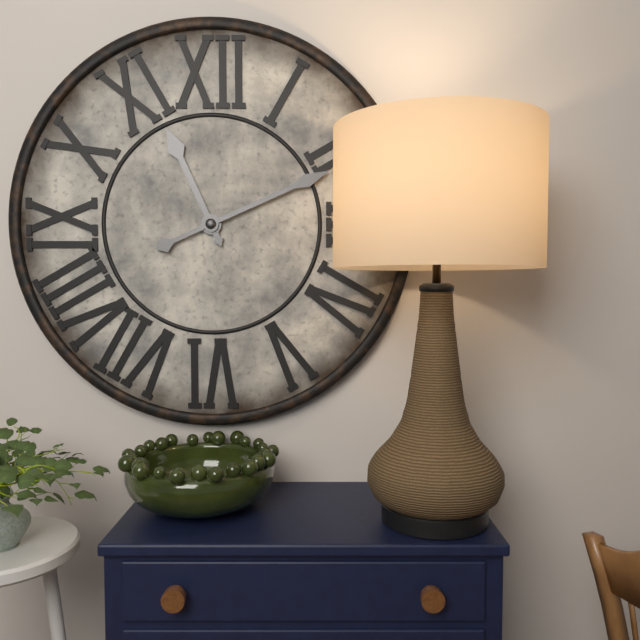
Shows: h=11 m=11
